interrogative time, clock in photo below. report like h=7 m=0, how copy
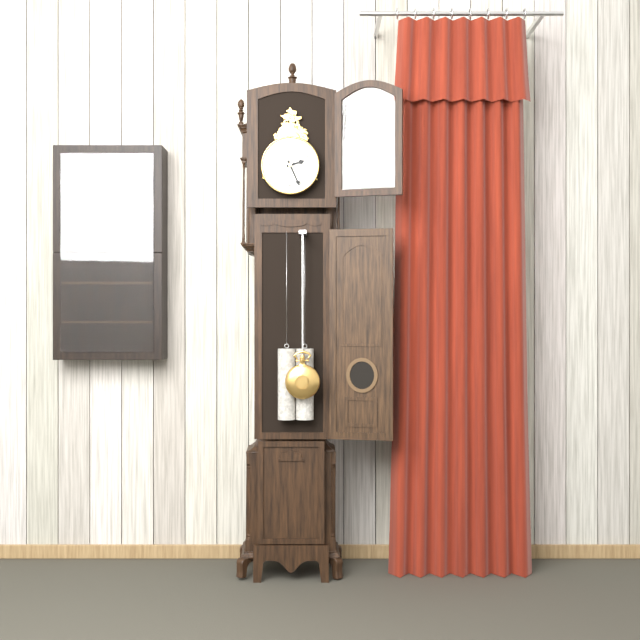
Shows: h=2 m=26
